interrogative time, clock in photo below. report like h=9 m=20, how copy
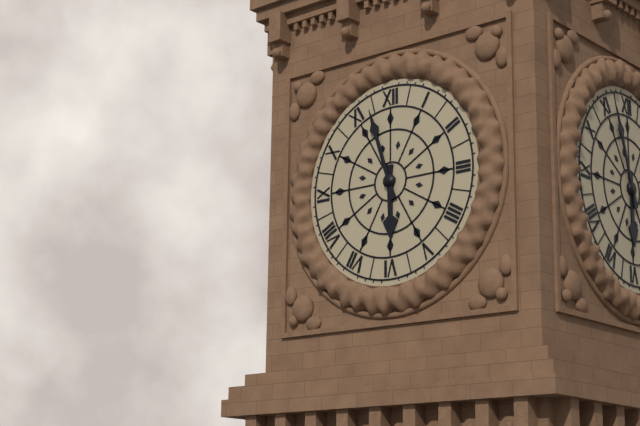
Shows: h=5 m=57
